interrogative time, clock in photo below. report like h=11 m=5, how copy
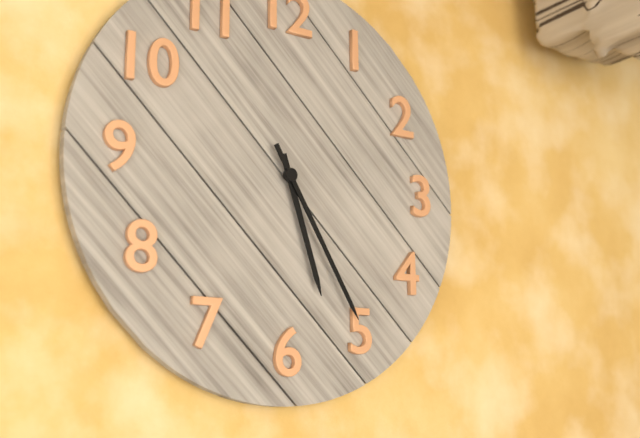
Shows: h=5 m=25
